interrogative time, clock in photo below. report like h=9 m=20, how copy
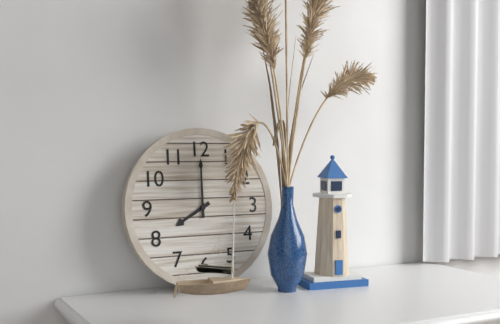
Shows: h=8 m=0
